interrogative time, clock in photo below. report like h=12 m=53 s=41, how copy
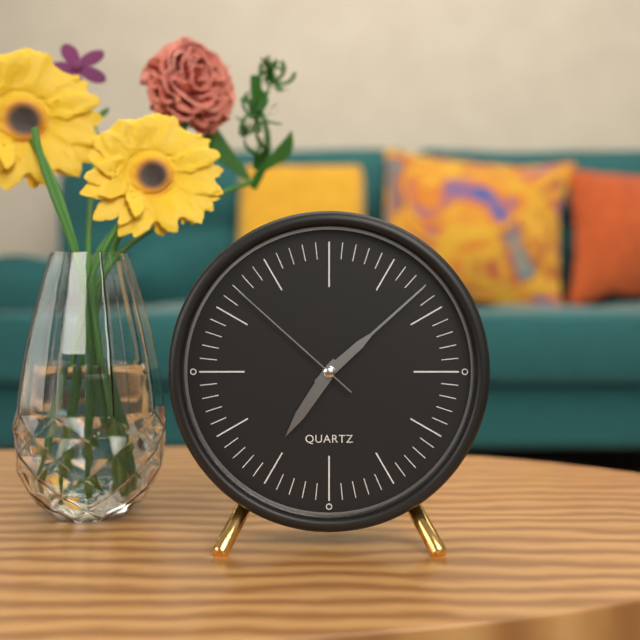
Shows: h=7 m=8 s=52
